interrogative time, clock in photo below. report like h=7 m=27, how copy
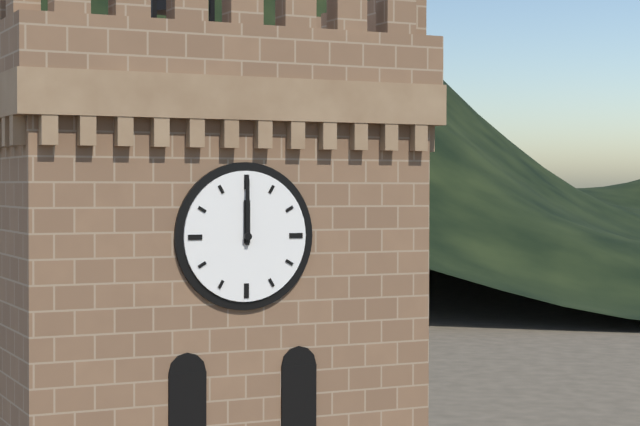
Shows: h=12 m=0
